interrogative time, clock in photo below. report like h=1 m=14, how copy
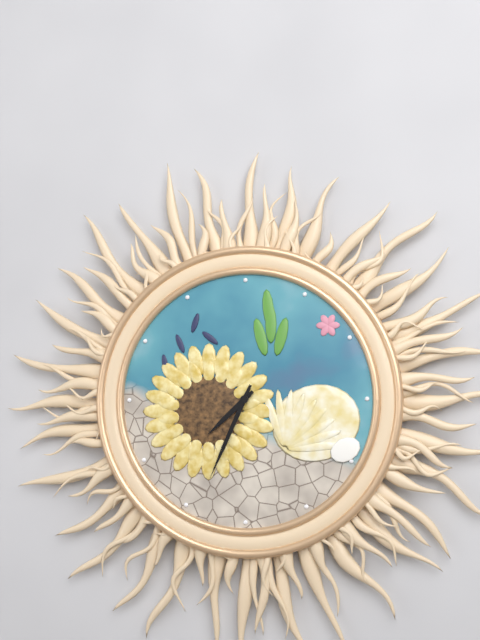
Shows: h=7 m=34
